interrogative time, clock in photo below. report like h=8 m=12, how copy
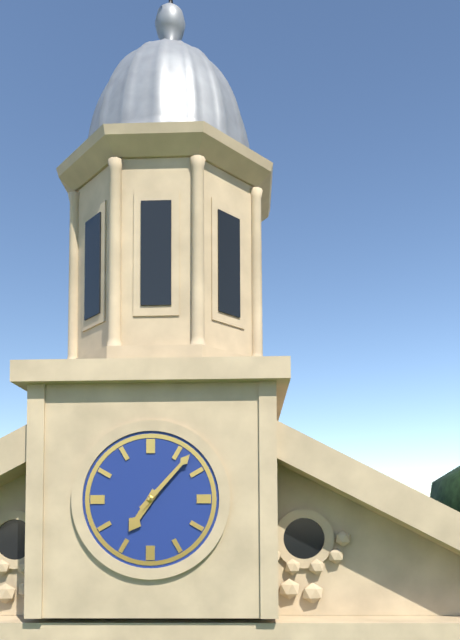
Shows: h=7 m=7
